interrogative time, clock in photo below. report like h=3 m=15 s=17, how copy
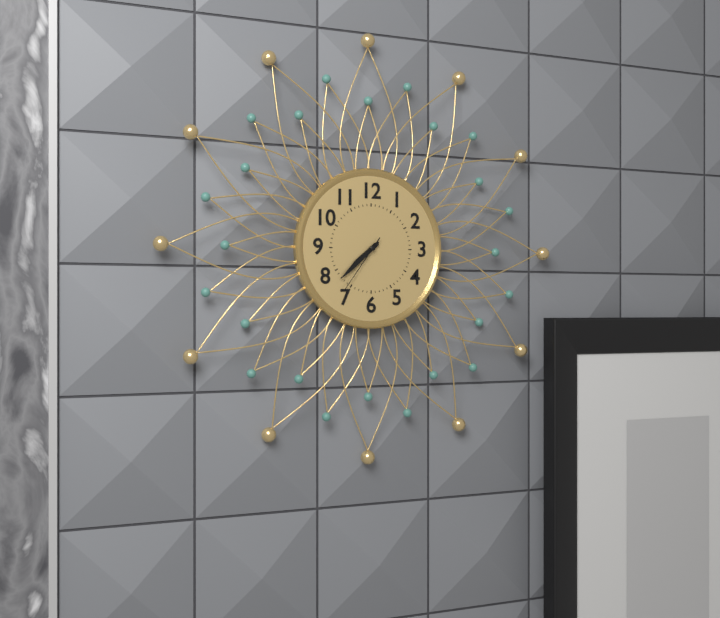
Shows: h=7 m=38 s=36
